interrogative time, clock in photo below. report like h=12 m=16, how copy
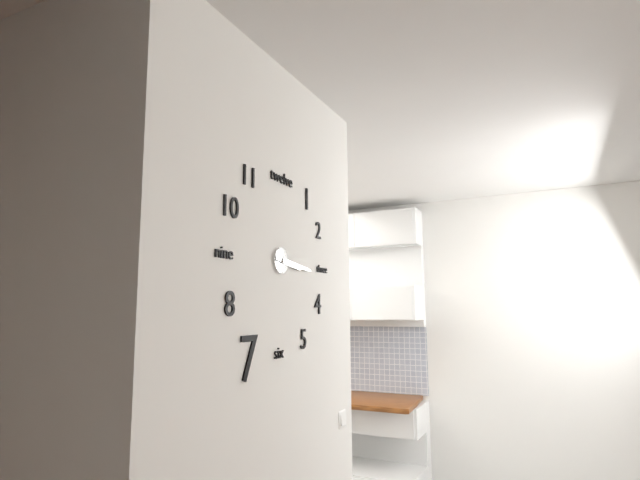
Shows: h=3 m=16
